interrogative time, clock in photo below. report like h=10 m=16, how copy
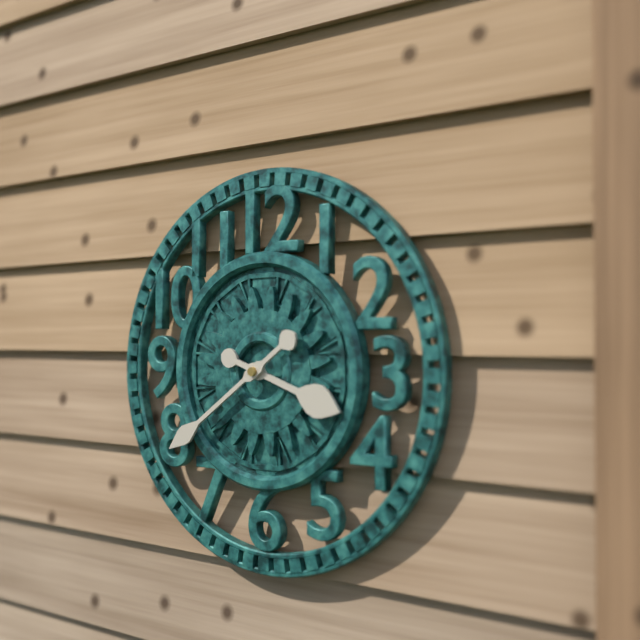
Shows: h=3 m=39
